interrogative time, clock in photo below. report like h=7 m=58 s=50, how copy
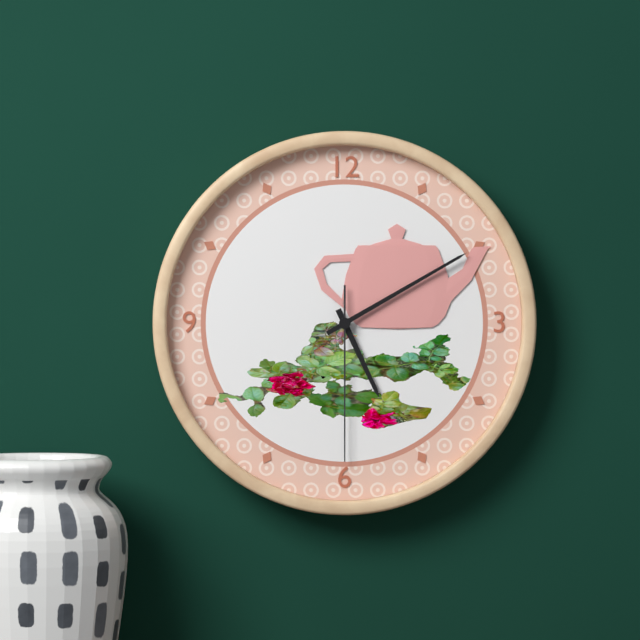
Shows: h=5 m=10 s=30
